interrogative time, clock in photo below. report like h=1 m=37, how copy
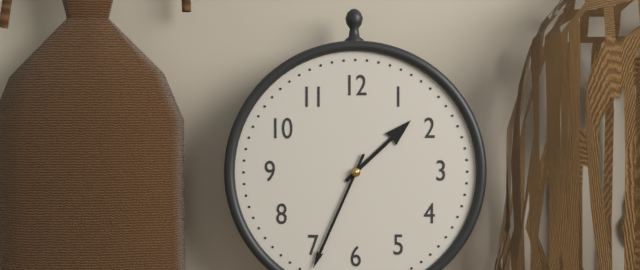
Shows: h=1 m=34
